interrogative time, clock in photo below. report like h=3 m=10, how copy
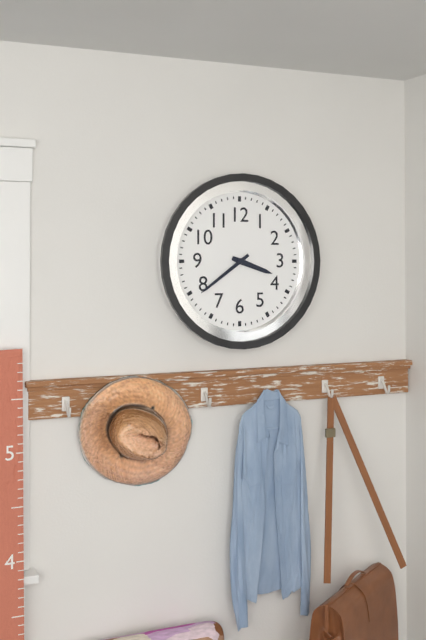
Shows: h=3 m=39
